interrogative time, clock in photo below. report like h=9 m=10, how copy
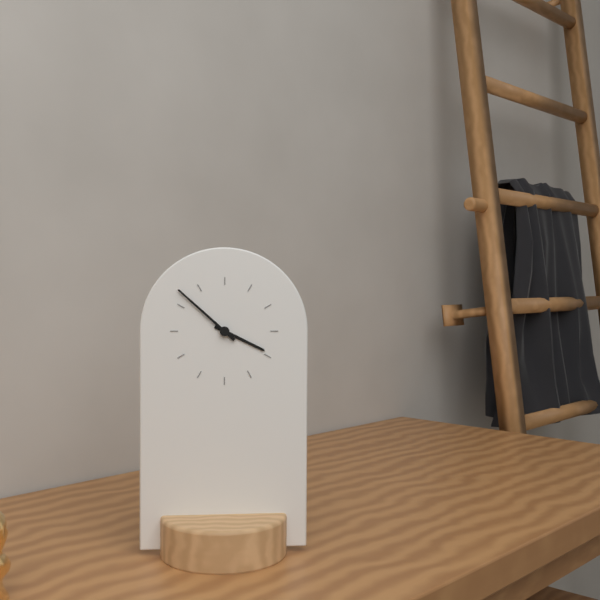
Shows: h=3 m=52
